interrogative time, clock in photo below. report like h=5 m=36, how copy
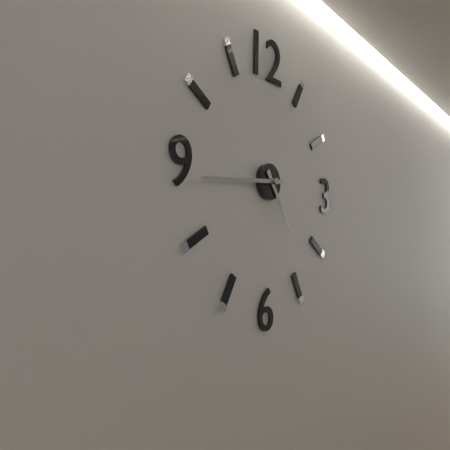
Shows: h=4 m=44
